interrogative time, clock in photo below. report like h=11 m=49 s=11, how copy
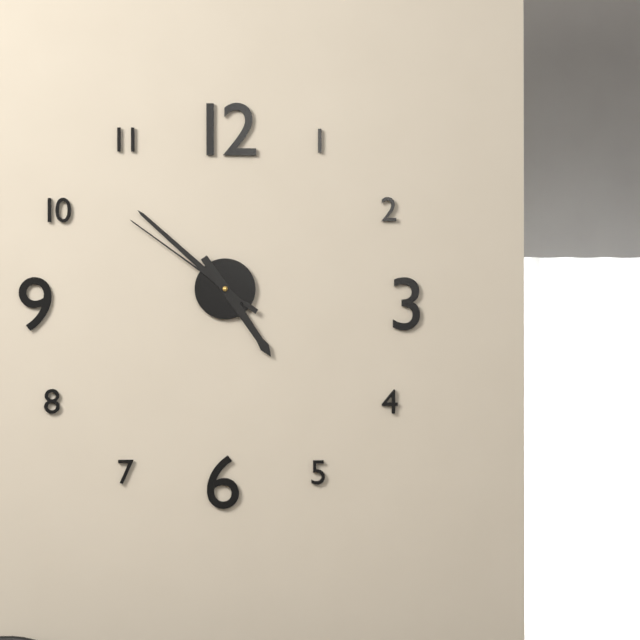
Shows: h=4 m=52 s=51
